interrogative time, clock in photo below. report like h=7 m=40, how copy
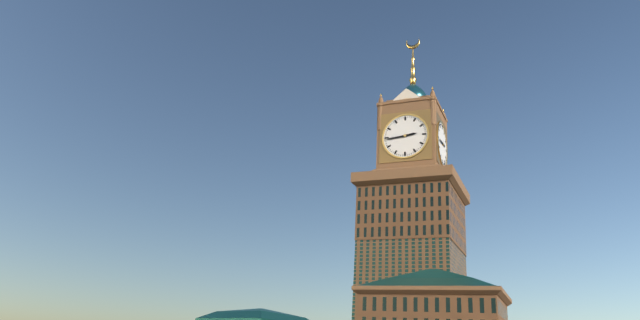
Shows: h=2 m=44
